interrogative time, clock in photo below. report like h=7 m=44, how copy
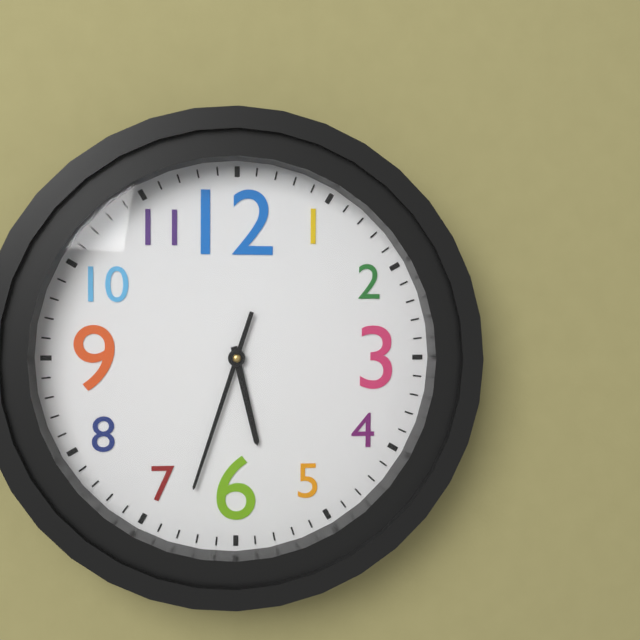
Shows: h=5 m=33
